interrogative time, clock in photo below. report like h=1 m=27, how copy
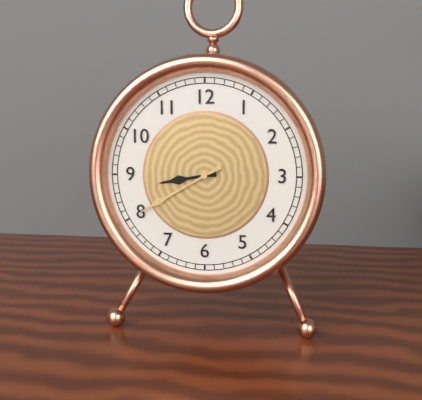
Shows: h=8 m=40
